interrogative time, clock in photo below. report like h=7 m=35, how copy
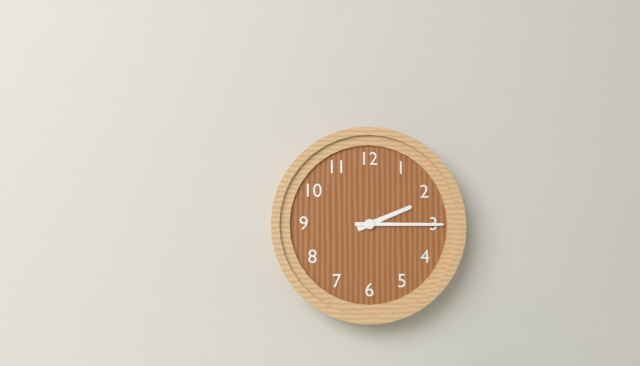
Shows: h=2 m=15
